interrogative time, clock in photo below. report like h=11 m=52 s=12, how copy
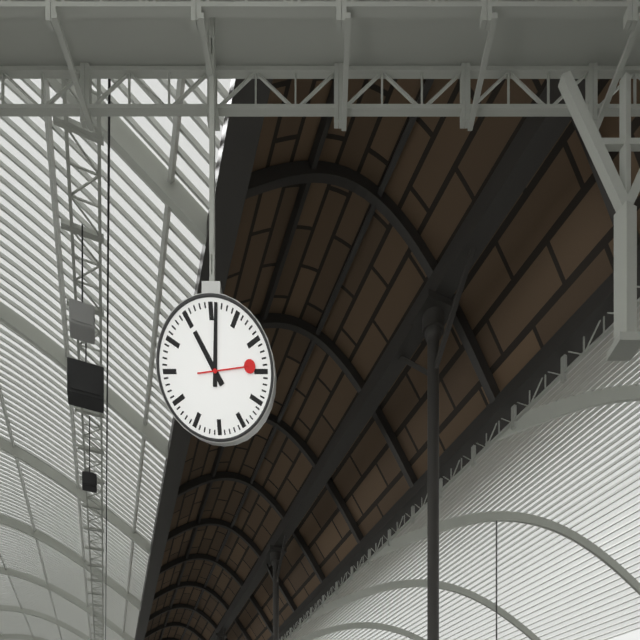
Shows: h=11 m=1 s=14
